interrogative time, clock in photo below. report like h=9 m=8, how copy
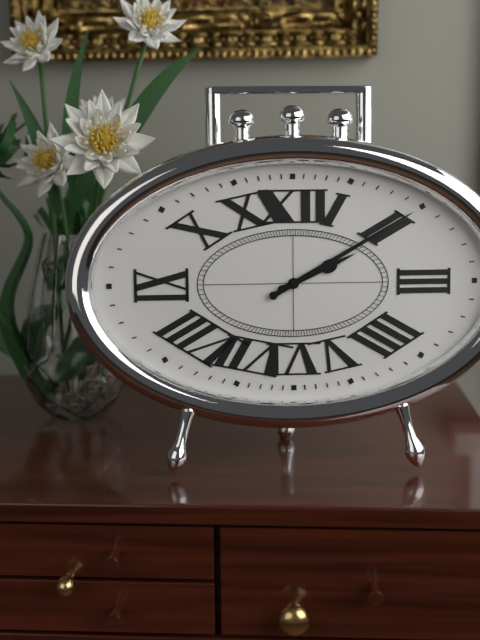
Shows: h=2 m=10
